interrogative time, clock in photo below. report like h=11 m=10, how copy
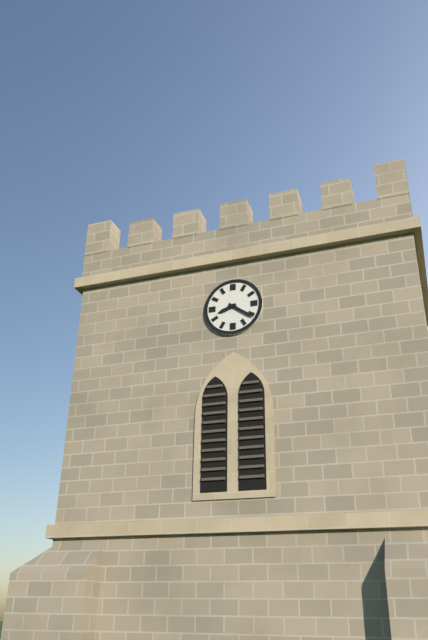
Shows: h=8 m=21
